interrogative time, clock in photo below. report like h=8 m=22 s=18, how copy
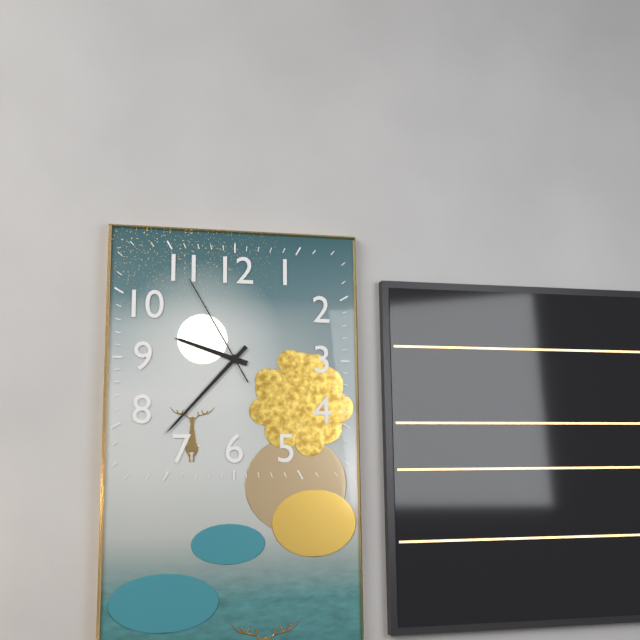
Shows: h=9 m=37 s=55
